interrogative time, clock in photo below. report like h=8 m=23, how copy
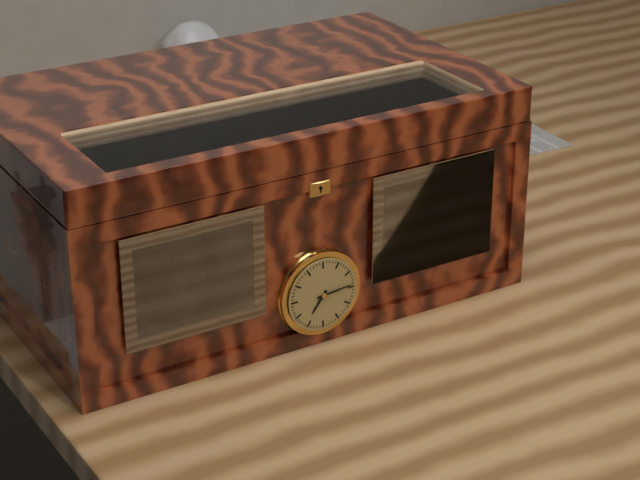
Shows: h=7 m=14
